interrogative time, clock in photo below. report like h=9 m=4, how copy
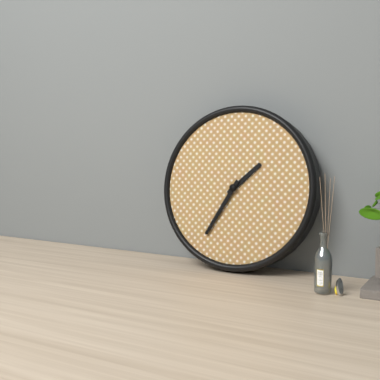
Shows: h=1 m=35
